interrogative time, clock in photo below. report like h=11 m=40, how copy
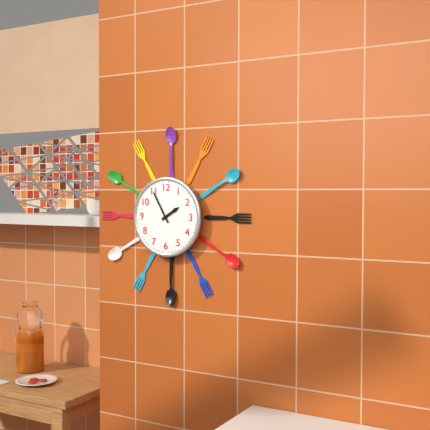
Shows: h=1 m=55
